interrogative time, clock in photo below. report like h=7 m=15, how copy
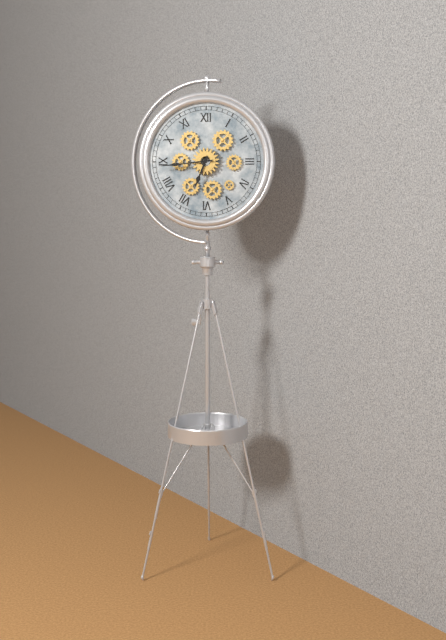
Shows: h=6 m=44
